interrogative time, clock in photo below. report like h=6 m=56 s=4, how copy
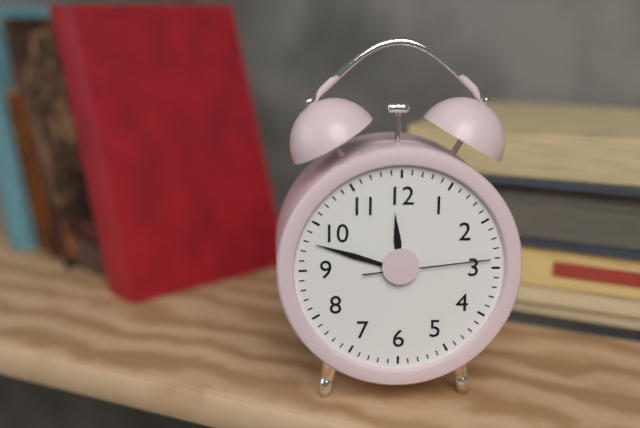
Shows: h=11 m=48 s=14
